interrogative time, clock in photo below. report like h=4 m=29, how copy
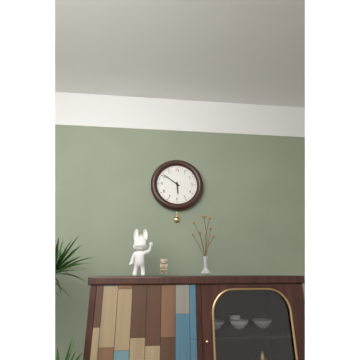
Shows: h=5 m=51
